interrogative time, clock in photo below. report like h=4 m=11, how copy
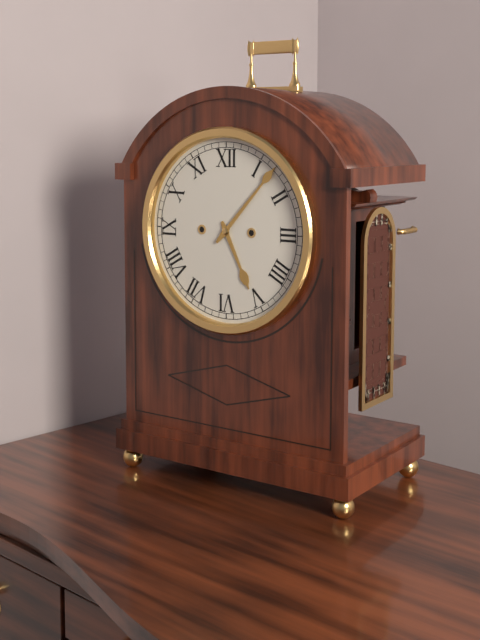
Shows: h=5 m=7
